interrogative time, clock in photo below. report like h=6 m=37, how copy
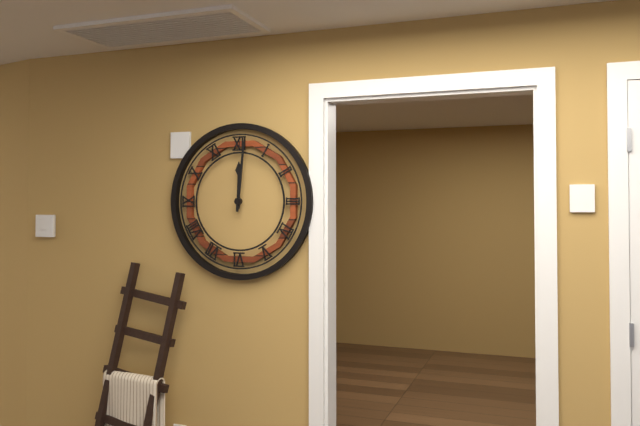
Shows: h=12 m=1
